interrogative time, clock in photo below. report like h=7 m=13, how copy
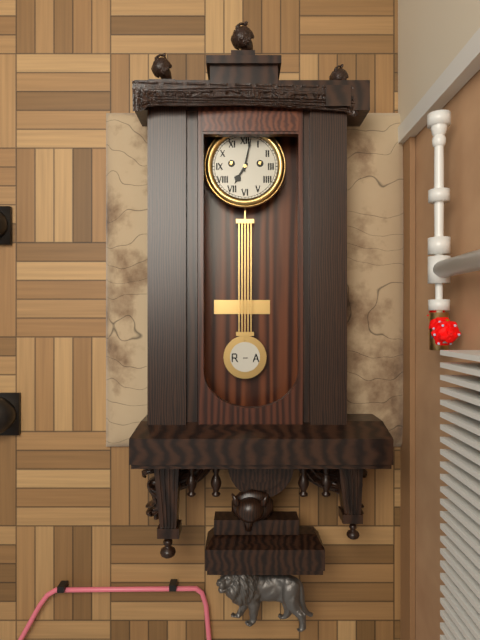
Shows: h=7 m=2
